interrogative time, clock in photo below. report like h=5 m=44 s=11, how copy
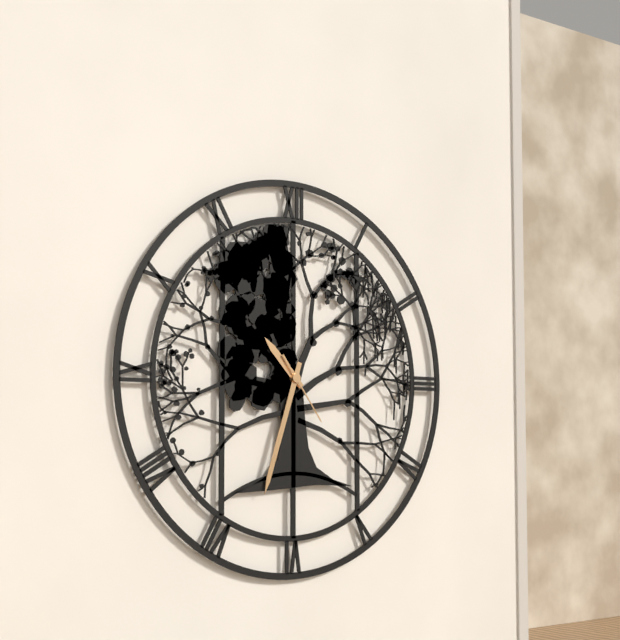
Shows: h=10 m=33 s=24
